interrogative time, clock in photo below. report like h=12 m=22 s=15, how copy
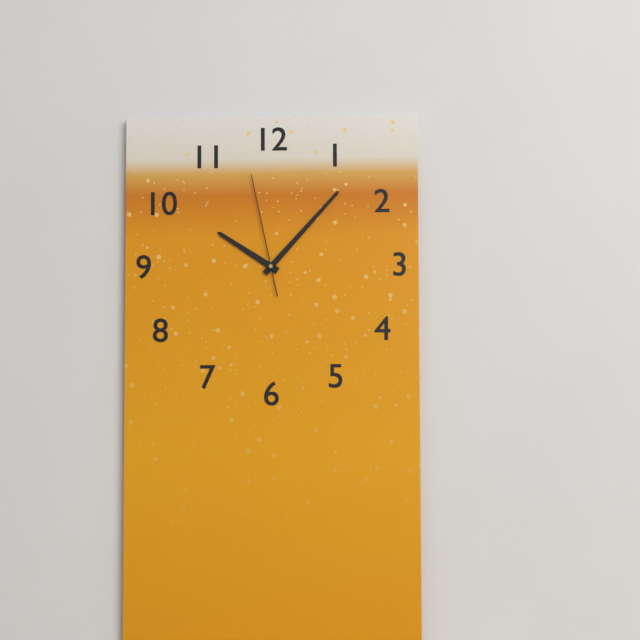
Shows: h=10 m=7 s=58
